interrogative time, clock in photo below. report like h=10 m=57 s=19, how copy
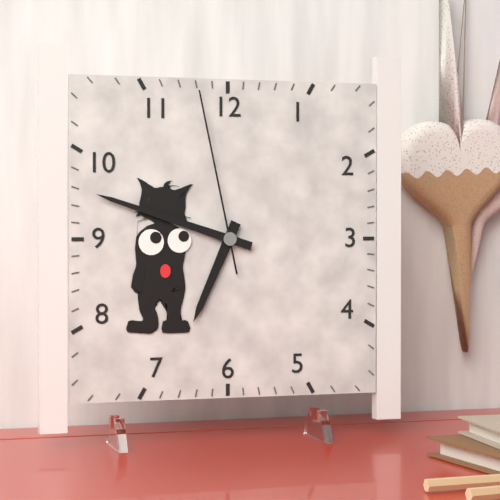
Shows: h=6 m=48 s=58
